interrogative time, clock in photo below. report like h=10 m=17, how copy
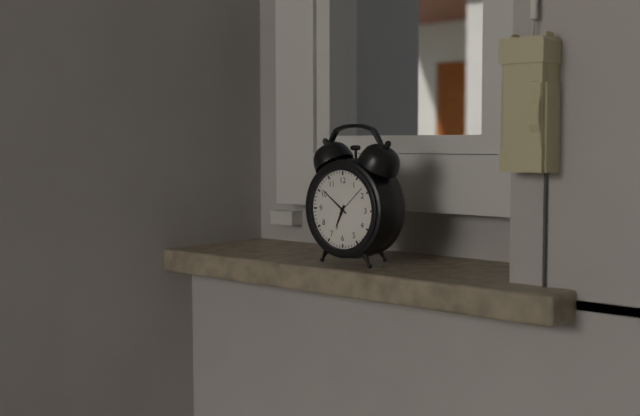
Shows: h=6 m=51
